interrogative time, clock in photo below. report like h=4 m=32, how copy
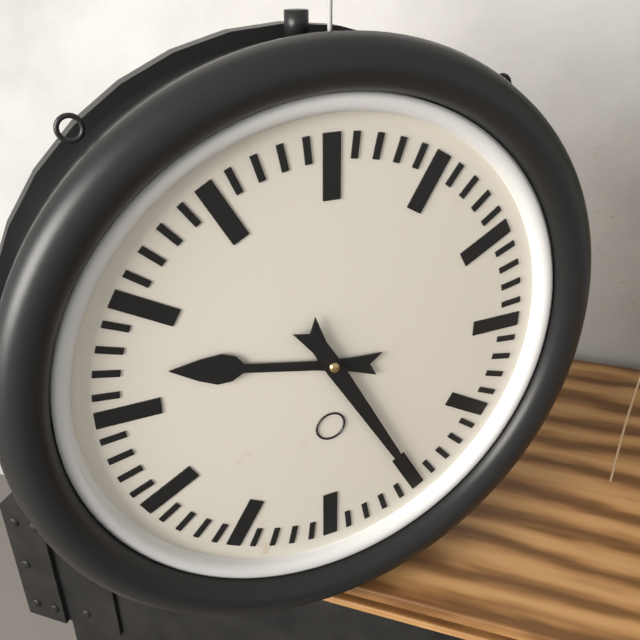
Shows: h=9 m=25
